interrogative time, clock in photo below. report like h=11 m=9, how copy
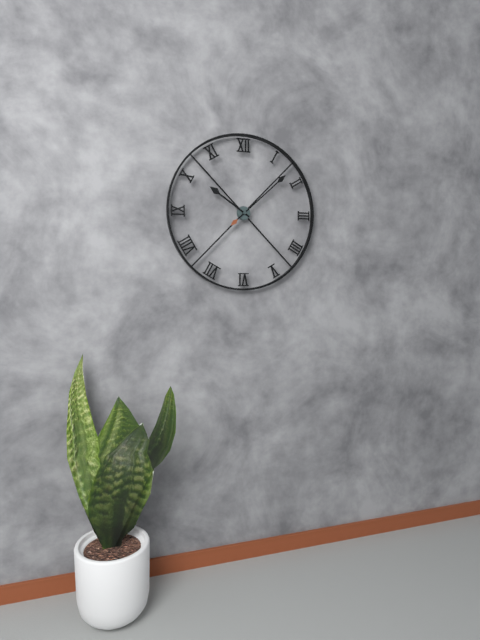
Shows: h=10 m=8
